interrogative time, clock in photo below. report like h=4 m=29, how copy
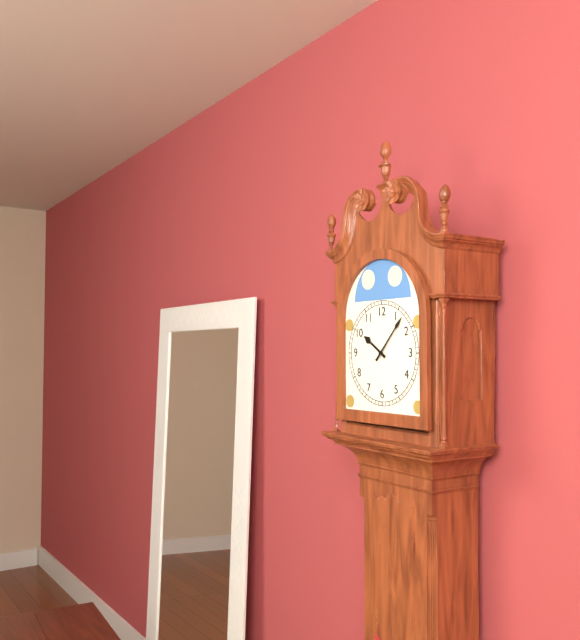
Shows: h=10 m=7
